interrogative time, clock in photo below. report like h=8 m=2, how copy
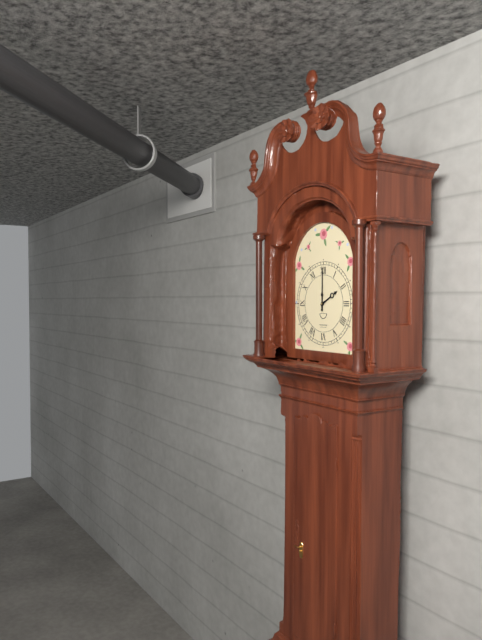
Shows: h=2 m=0
